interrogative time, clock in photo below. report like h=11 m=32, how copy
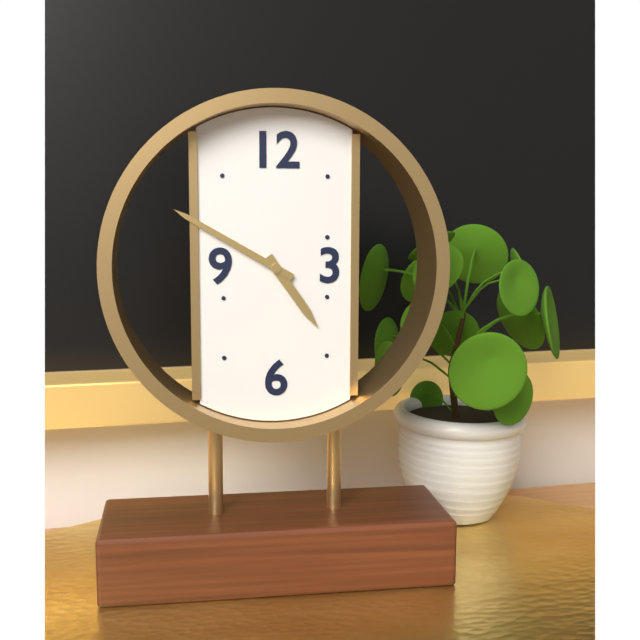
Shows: h=4 m=50
